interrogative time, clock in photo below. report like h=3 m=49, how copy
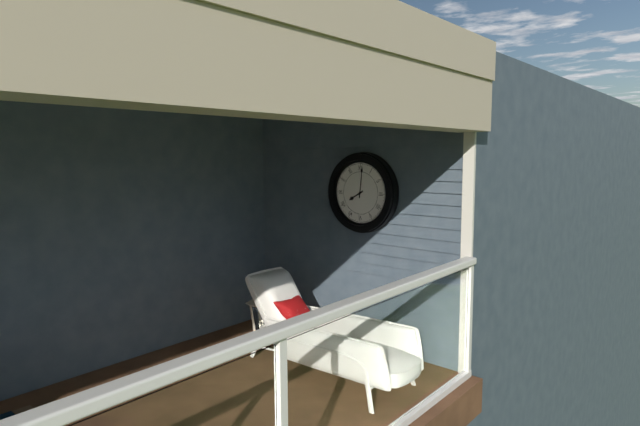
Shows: h=8 m=1
